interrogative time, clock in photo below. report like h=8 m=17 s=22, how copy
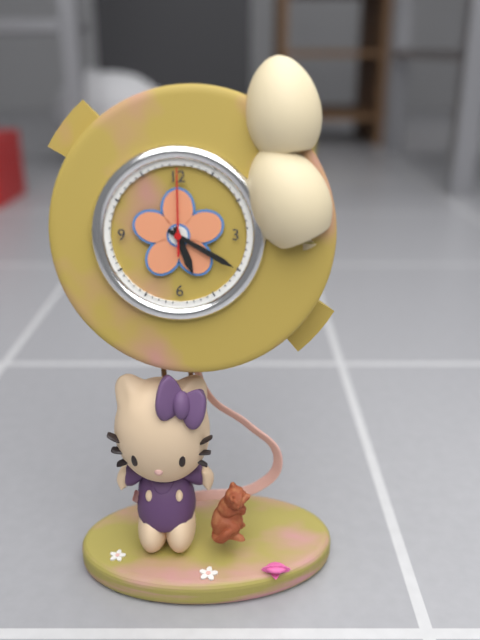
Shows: h=5 m=20 s=0
